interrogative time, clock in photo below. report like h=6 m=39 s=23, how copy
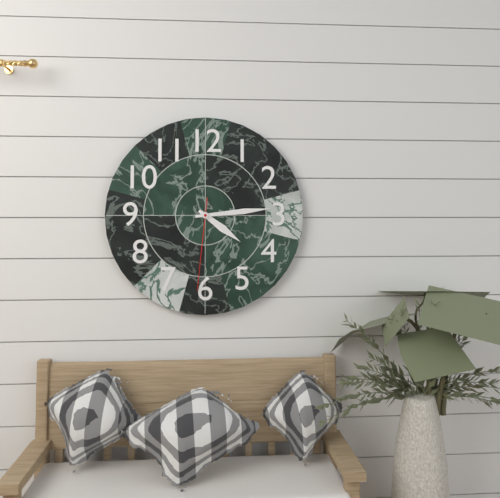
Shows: h=4 m=14 s=31
